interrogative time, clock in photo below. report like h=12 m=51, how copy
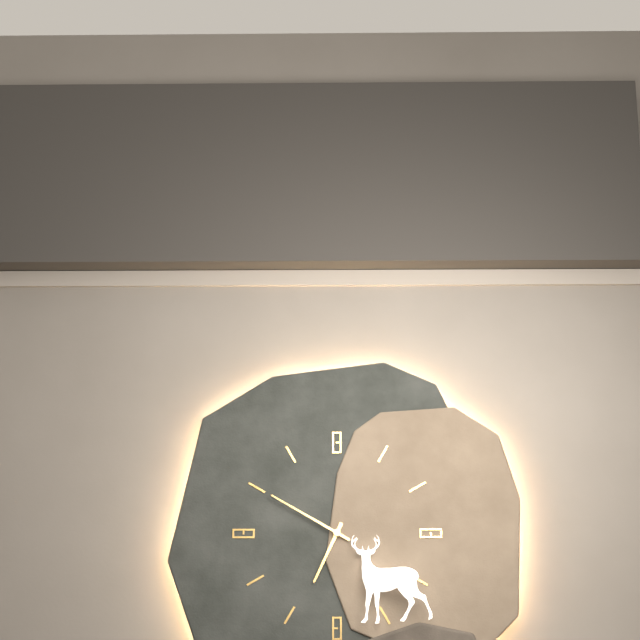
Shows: h=6 m=50
